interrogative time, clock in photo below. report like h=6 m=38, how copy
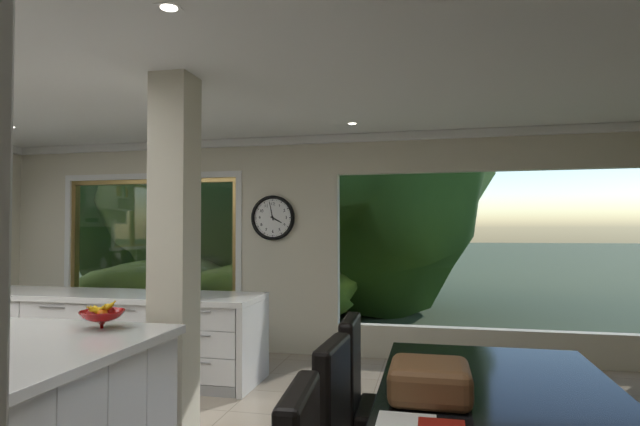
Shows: h=3 m=58
